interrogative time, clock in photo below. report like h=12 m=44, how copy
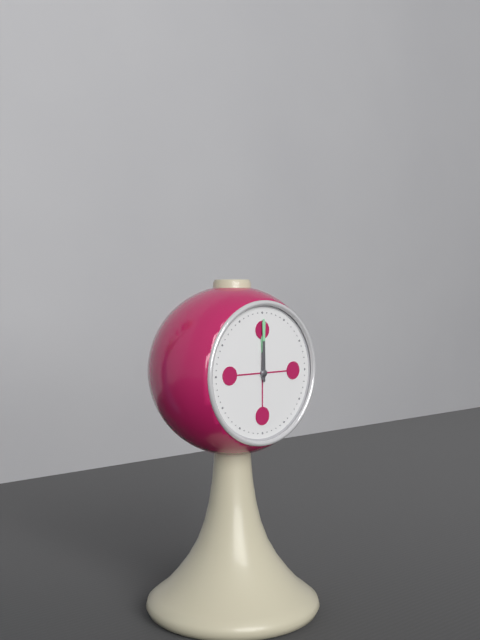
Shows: h=12 m=0
